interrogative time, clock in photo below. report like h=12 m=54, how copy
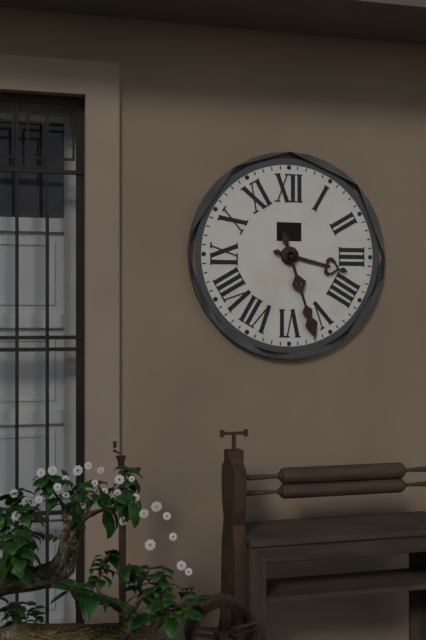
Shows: h=3 m=27
